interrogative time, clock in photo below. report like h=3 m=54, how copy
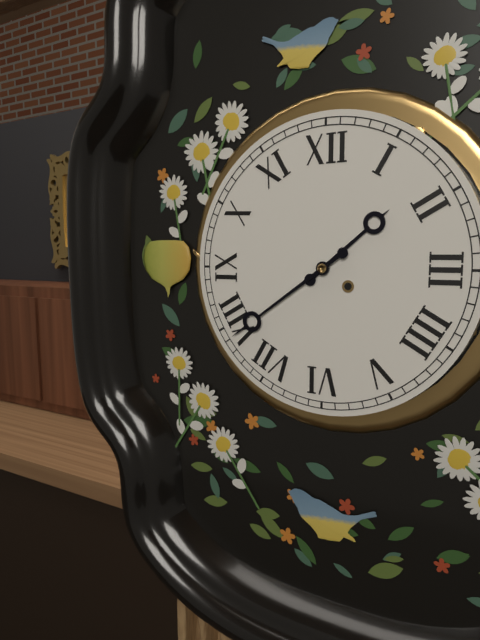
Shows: h=1 m=39
